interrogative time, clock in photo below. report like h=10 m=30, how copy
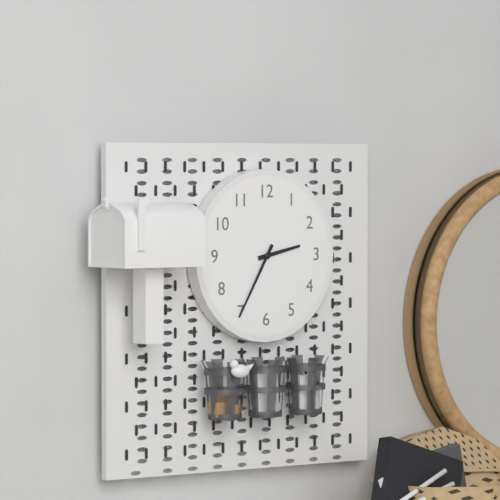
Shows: h=2 m=35
